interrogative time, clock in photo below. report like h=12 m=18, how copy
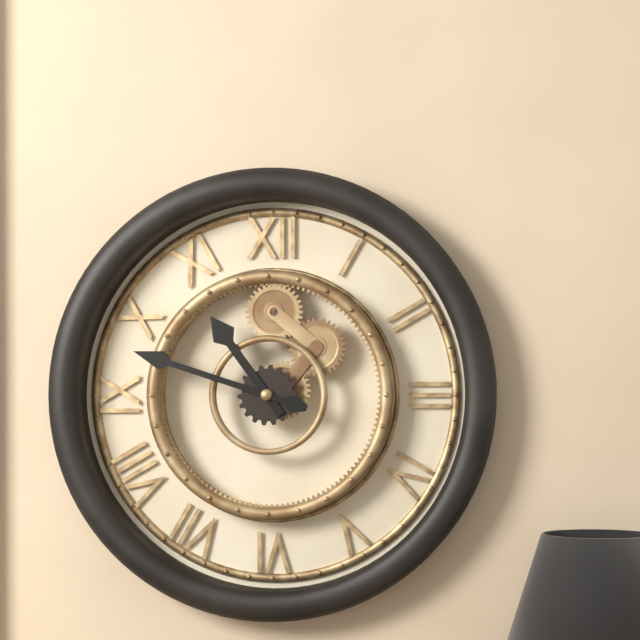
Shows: h=10 m=48
